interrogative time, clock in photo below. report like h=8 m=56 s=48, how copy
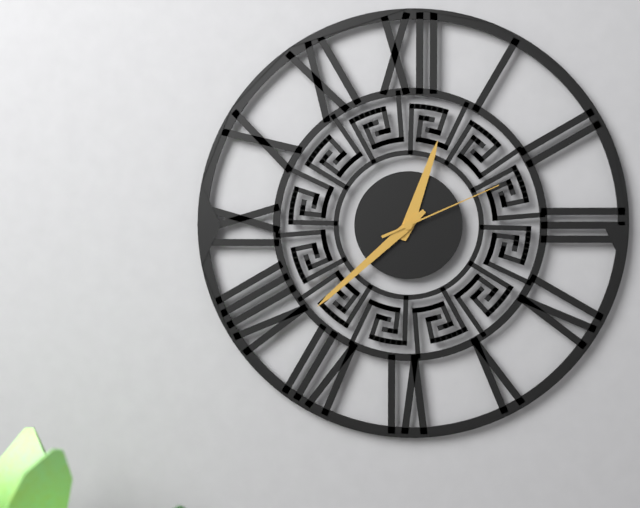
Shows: h=12 m=38 s=11
